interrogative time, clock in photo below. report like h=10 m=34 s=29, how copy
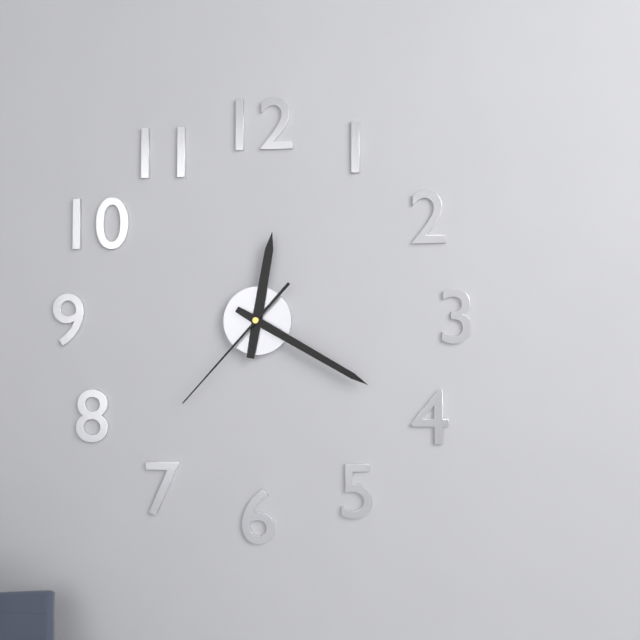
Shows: h=12 m=20 s=37
